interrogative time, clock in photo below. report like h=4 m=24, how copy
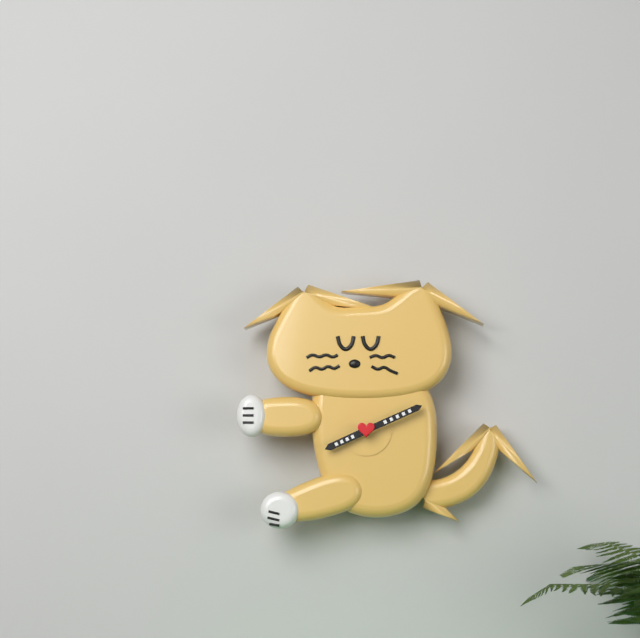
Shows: h=8 m=11
